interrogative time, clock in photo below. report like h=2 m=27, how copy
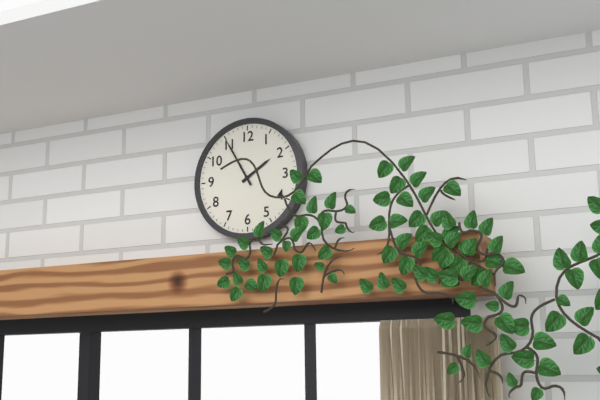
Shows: h=1 m=55
